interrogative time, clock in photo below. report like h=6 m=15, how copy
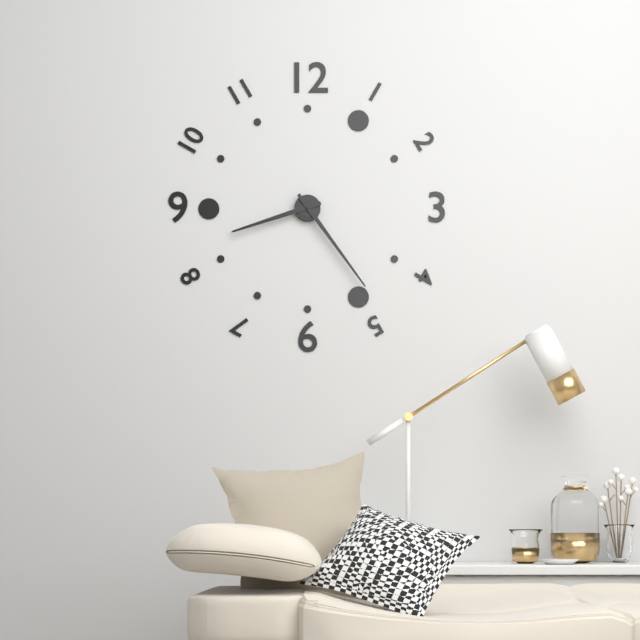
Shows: h=8 m=24
